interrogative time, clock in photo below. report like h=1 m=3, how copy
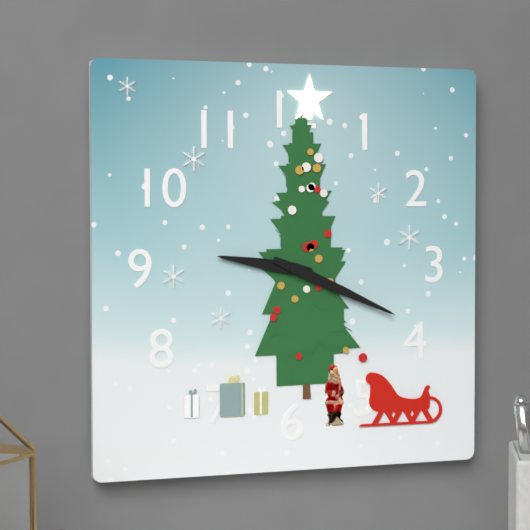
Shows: h=9 m=19
